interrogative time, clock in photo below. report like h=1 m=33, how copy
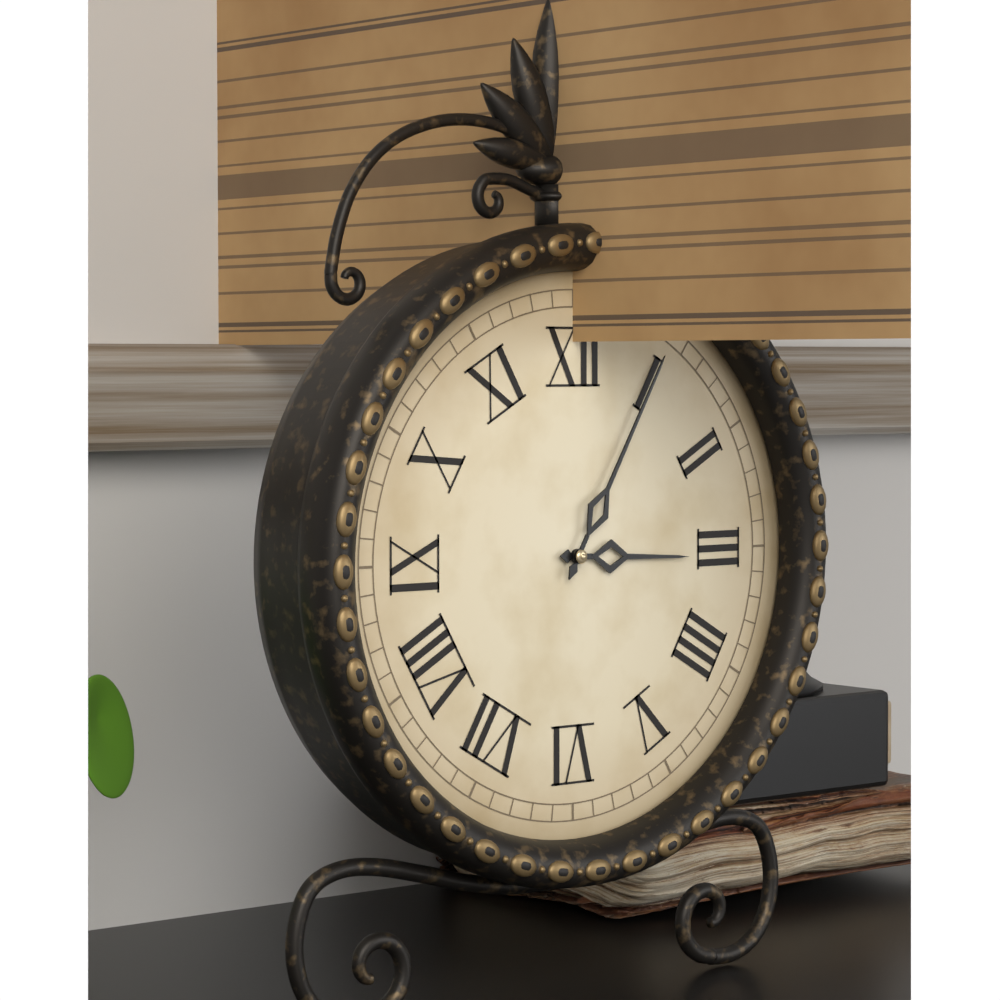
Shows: h=3 m=5
